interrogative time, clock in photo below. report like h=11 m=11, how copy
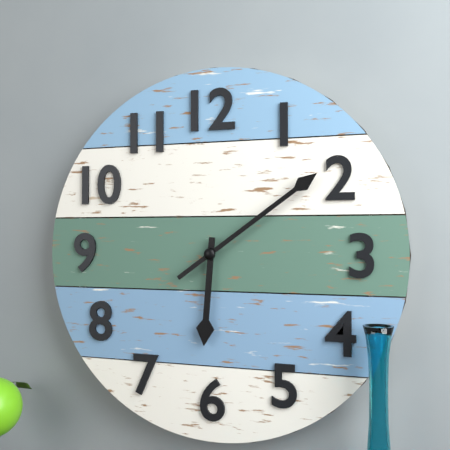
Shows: h=6 m=9
